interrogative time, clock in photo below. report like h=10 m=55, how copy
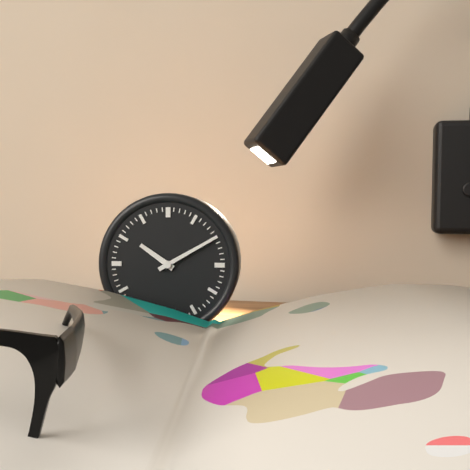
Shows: h=10 m=10
